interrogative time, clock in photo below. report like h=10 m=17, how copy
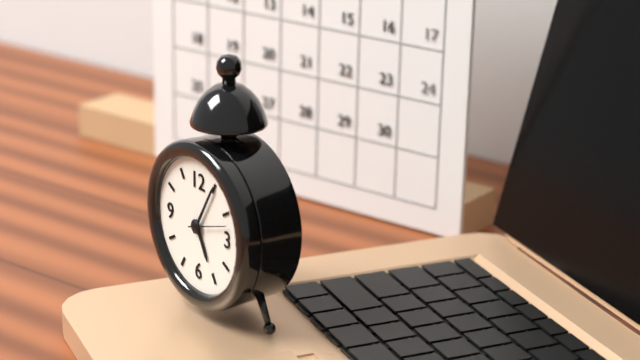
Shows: h=5 m=5
